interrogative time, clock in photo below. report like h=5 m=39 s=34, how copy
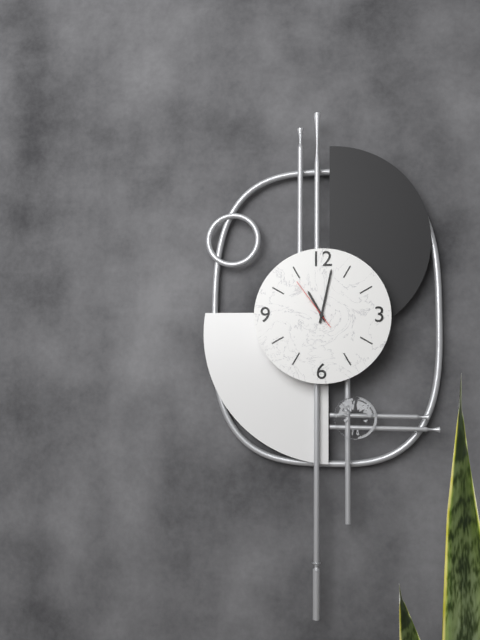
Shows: h=11 m=2 s=54
